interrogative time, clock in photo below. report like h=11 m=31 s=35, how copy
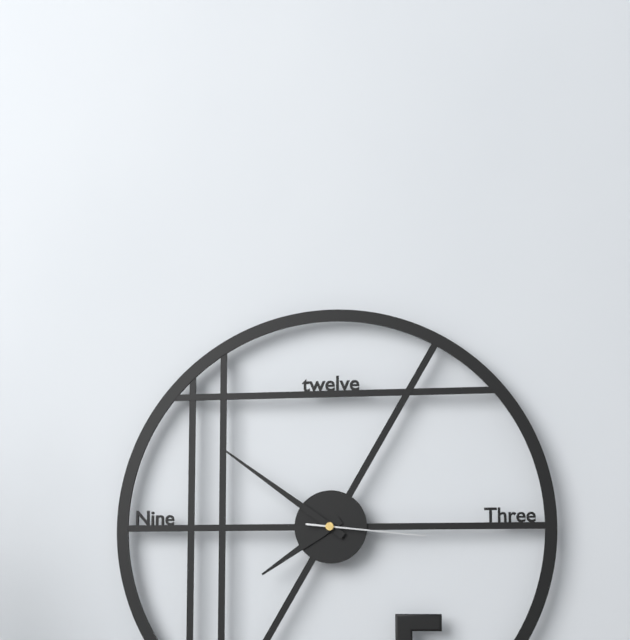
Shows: h=7 m=51 s=16
